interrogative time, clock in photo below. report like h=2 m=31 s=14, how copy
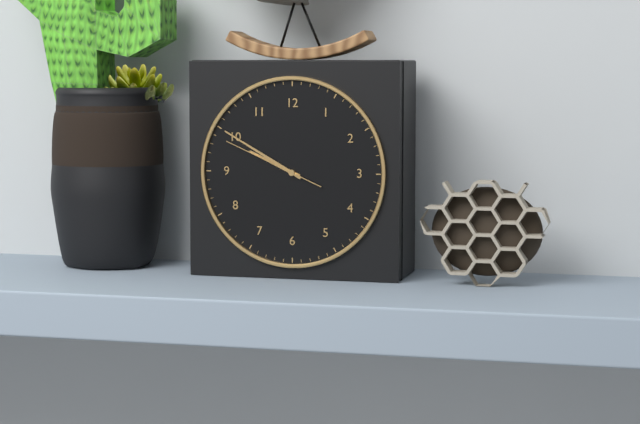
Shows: h=9 m=50 s=49
